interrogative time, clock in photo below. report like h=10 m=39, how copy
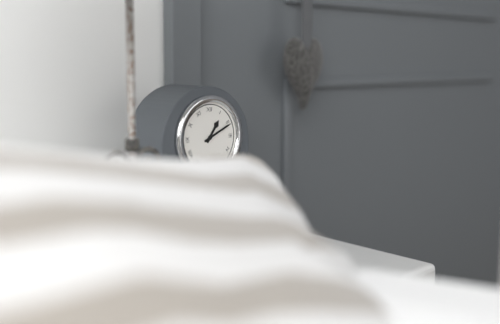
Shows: h=1 m=11
